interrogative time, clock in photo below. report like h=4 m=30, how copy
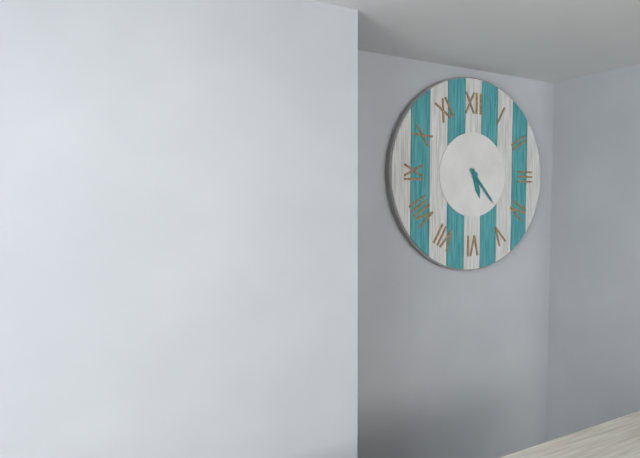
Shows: h=5 m=23
